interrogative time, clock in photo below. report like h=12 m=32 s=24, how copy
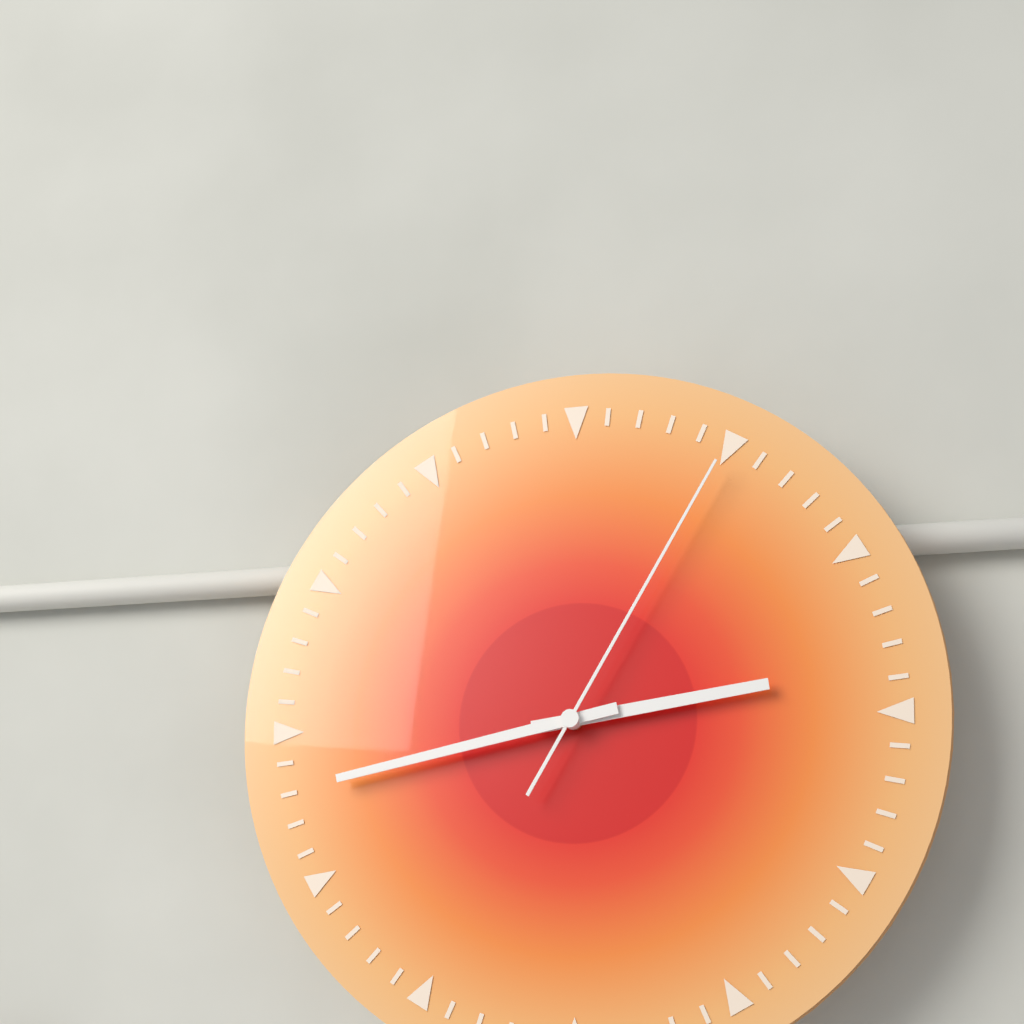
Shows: h=2 m=43 s=5
